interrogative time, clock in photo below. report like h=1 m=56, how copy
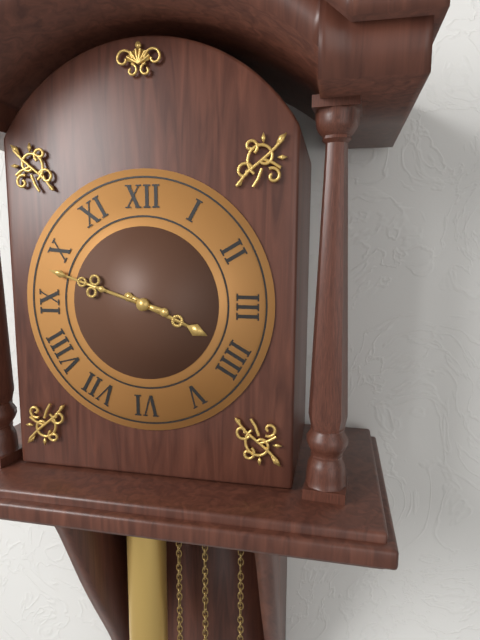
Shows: h=3 m=48
